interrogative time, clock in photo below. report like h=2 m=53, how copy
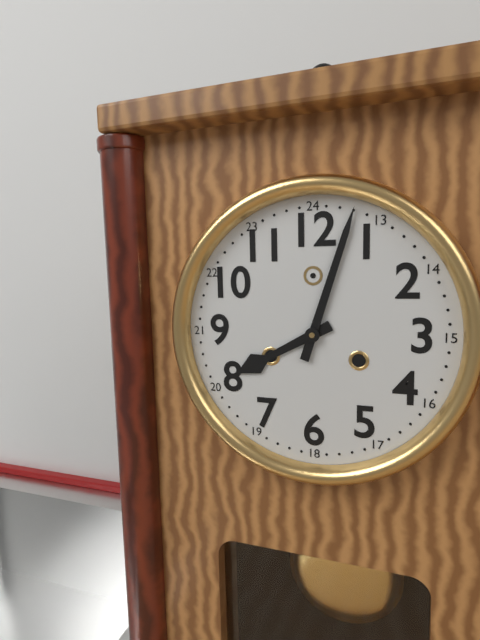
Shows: h=8 m=3
